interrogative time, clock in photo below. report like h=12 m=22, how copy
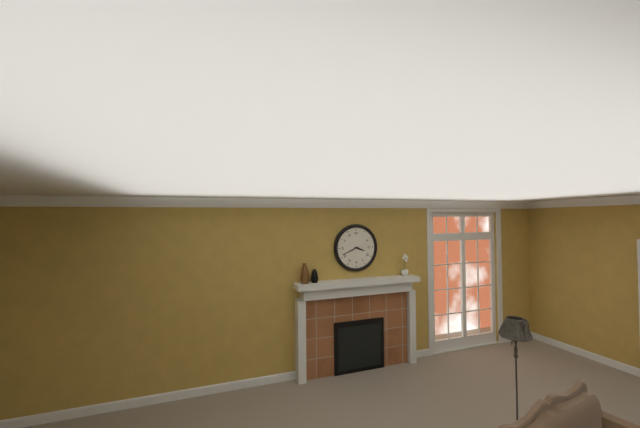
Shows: h=3 m=41
